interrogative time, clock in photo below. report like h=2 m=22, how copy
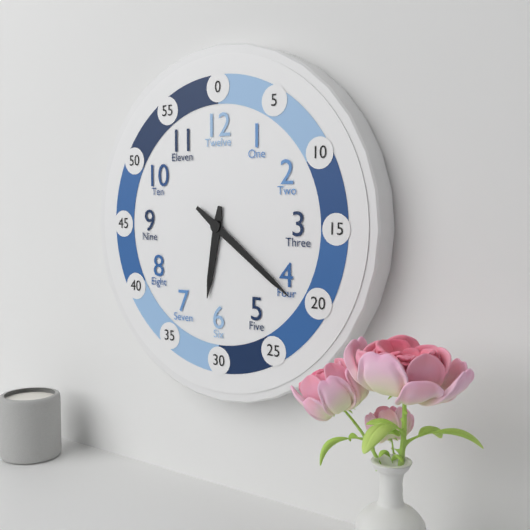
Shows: h=6 m=21
